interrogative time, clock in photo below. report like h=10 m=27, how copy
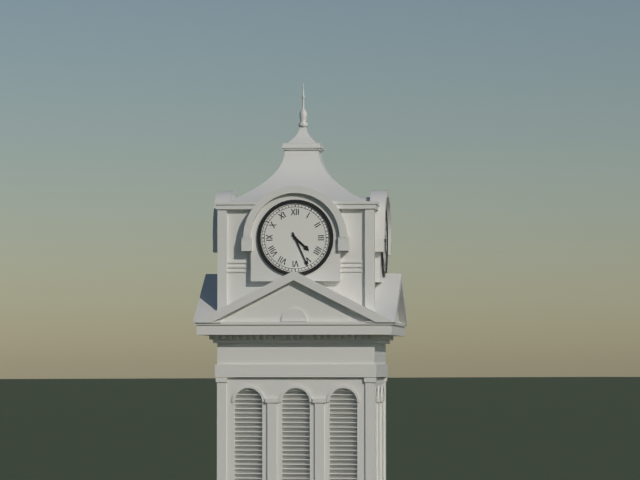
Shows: h=4 m=26
